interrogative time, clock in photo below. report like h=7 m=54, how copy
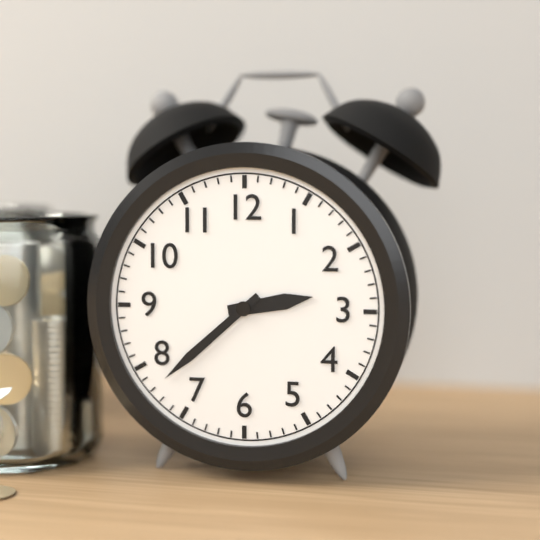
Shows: h=2 m=38
